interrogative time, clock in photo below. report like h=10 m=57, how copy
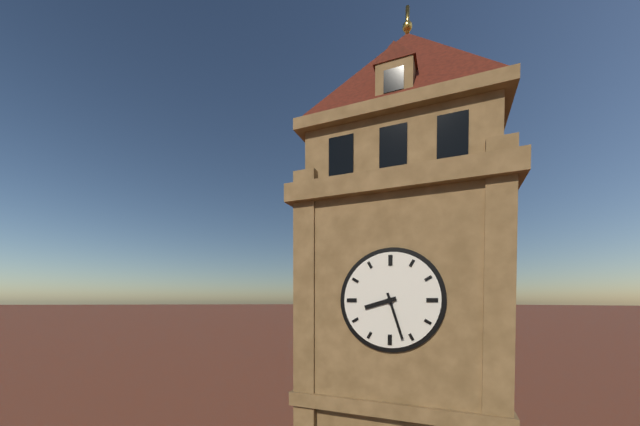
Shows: h=8 m=27
